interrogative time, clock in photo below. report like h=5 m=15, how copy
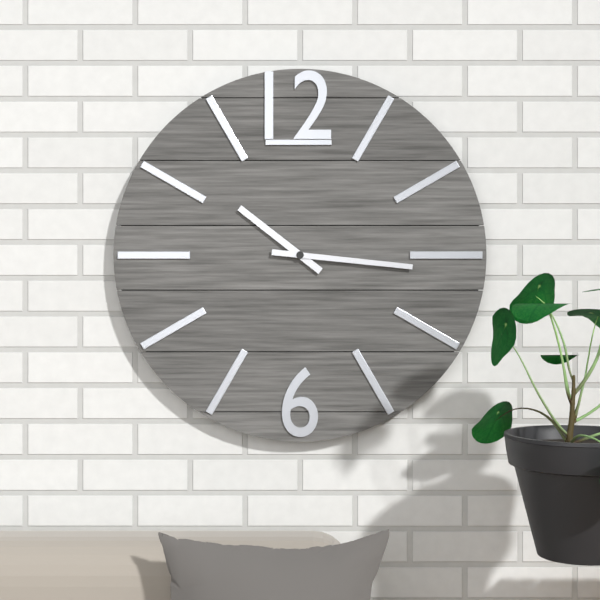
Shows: h=10 m=16
